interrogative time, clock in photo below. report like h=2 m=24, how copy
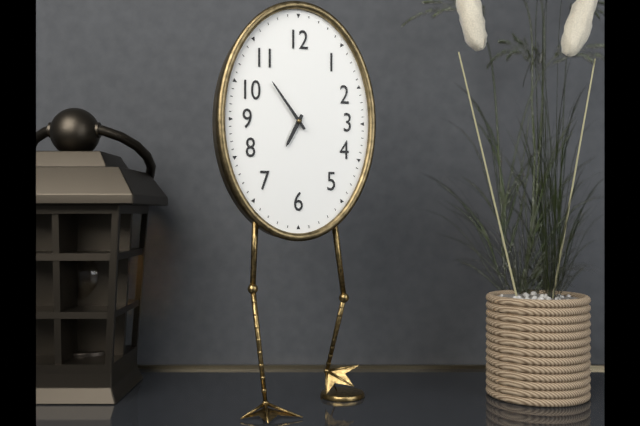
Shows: h=6 m=54
